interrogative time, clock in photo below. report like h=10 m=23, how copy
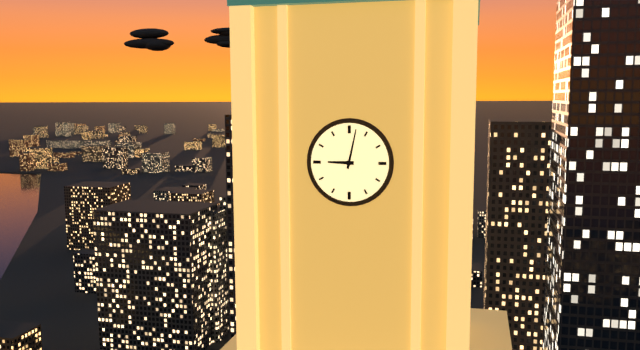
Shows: h=9 m=2
